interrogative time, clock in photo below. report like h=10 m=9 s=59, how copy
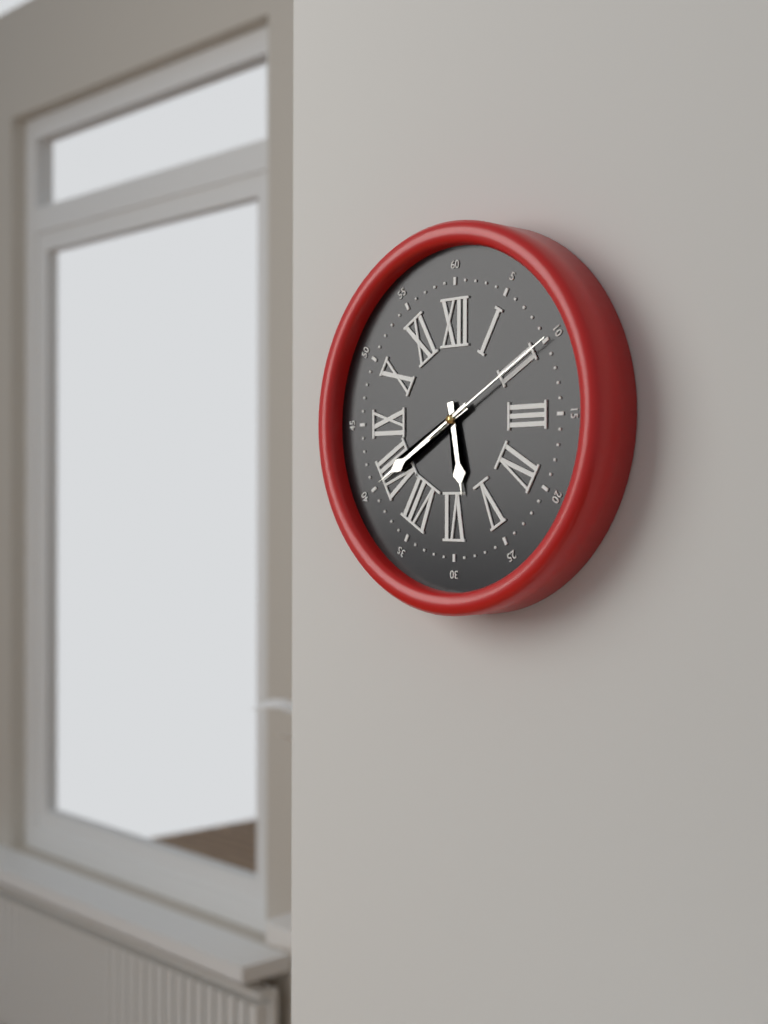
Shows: h=5 m=40 s=10
